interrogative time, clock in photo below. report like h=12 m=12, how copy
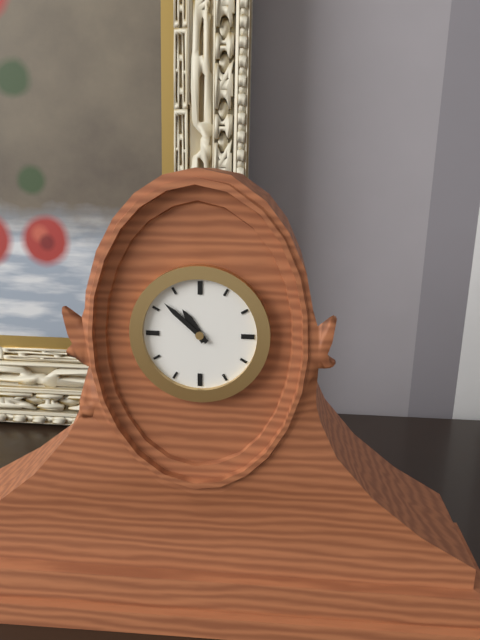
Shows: h=10 m=52
